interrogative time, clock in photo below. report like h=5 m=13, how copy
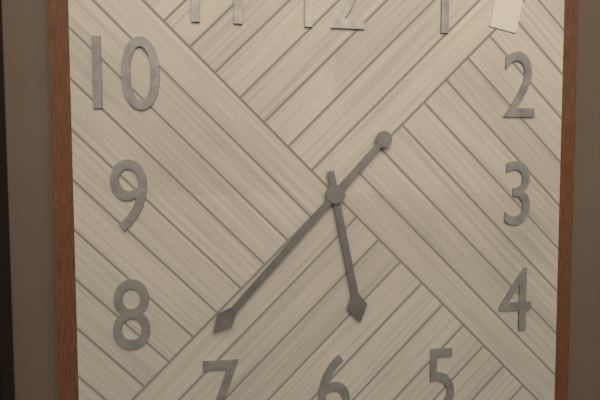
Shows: h=5 m=37
